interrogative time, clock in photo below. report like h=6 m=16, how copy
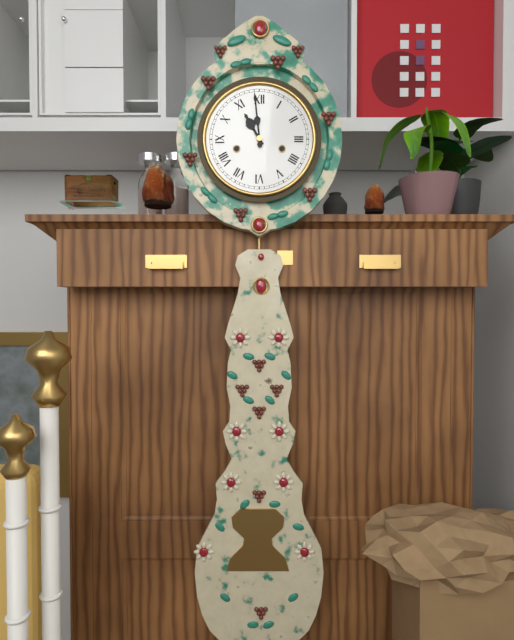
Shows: h=10 m=59
